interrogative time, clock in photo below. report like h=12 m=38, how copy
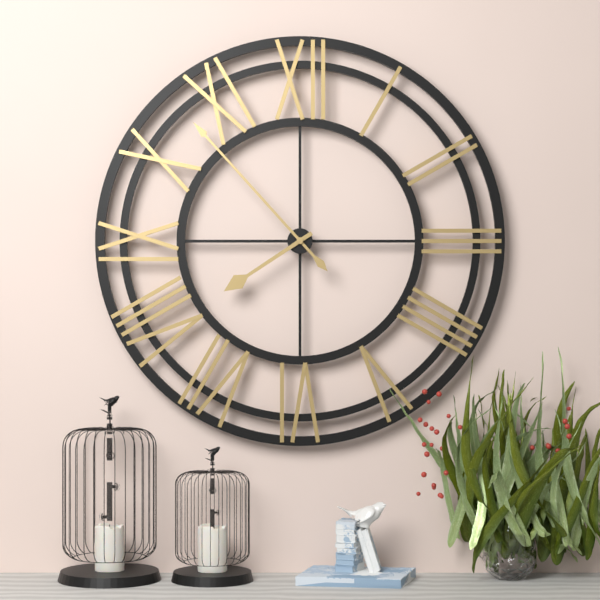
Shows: h=7 m=53
